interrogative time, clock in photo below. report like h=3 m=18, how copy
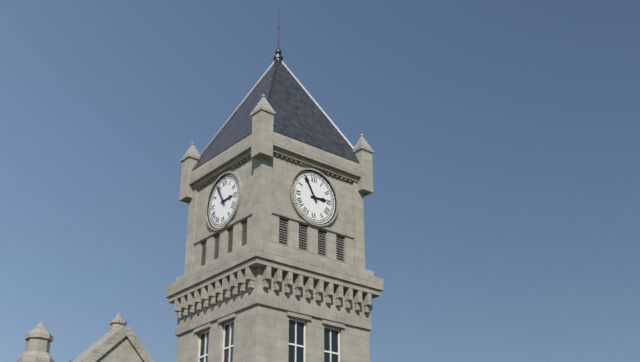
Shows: h=2 m=55
